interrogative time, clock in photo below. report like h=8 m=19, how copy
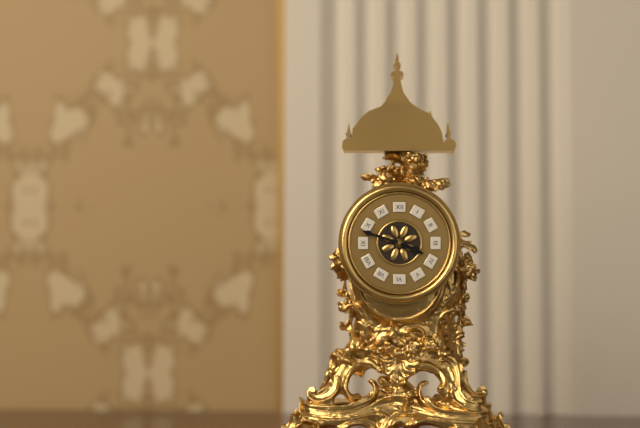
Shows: h=3 m=48
